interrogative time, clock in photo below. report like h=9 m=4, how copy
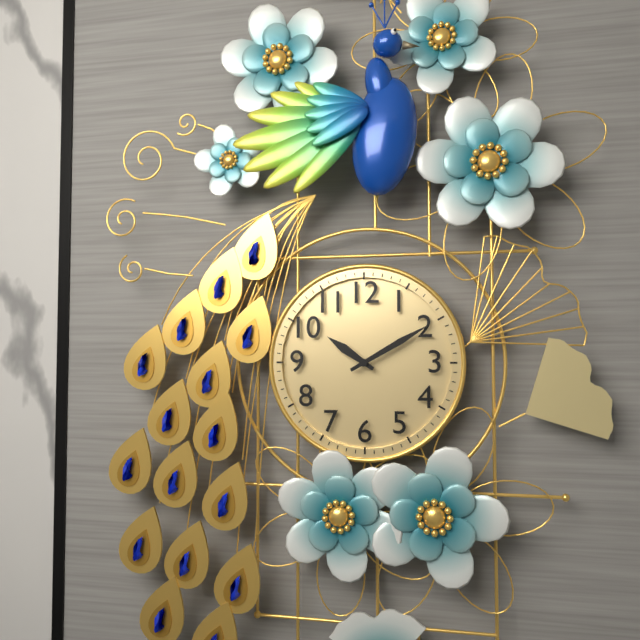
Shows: h=10 m=10
